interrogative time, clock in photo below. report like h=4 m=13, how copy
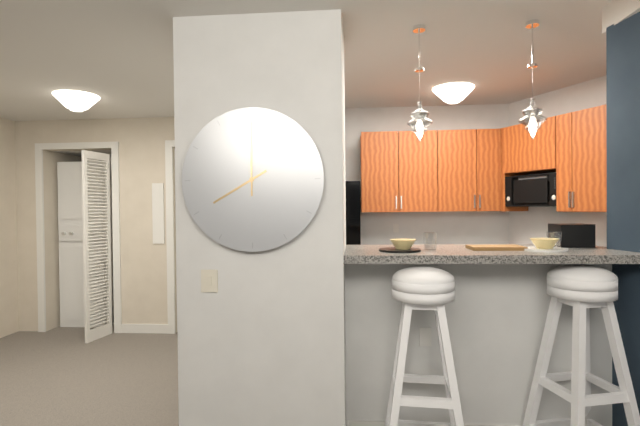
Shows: h=8 m=0
